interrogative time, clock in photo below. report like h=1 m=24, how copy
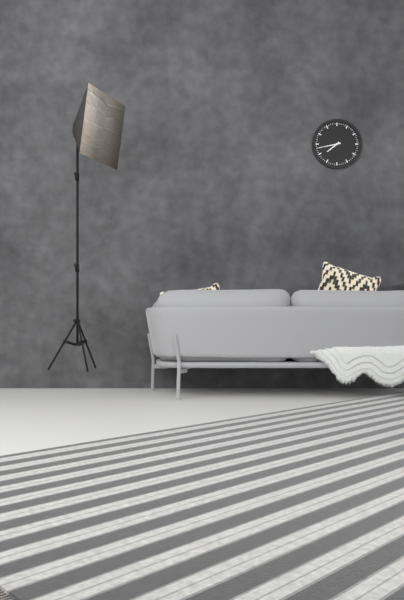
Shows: h=7 m=43
